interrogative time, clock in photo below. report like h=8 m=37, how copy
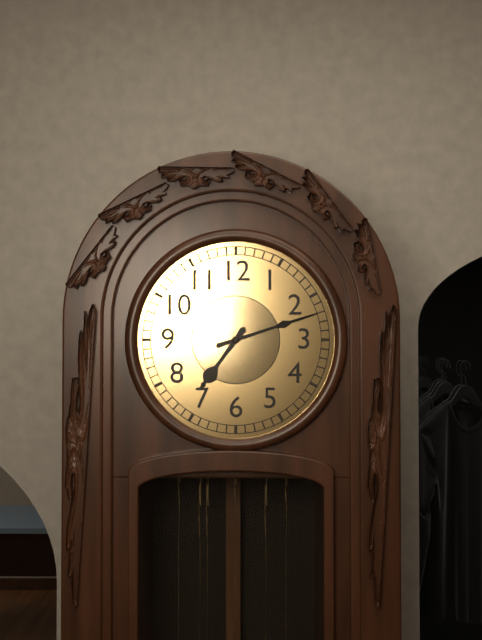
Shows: h=7 m=12
